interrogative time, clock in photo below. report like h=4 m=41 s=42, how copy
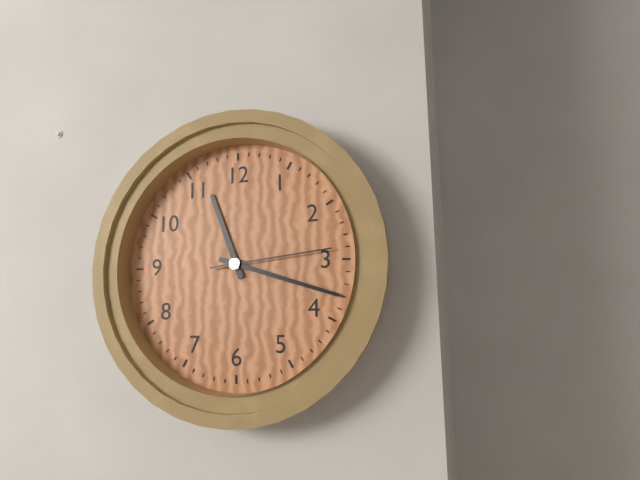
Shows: h=11 m=18 s=14
